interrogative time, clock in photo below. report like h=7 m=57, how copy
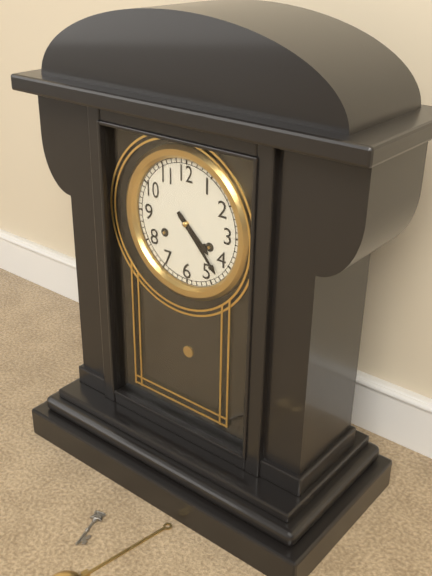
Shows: h=4 m=23
